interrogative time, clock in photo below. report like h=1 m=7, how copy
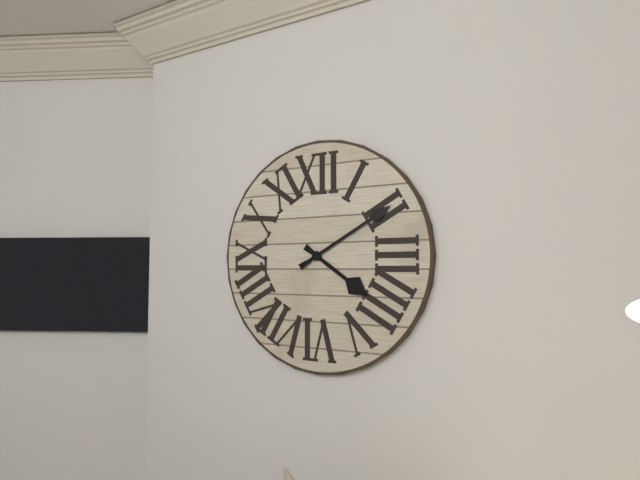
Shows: h=4 m=10
